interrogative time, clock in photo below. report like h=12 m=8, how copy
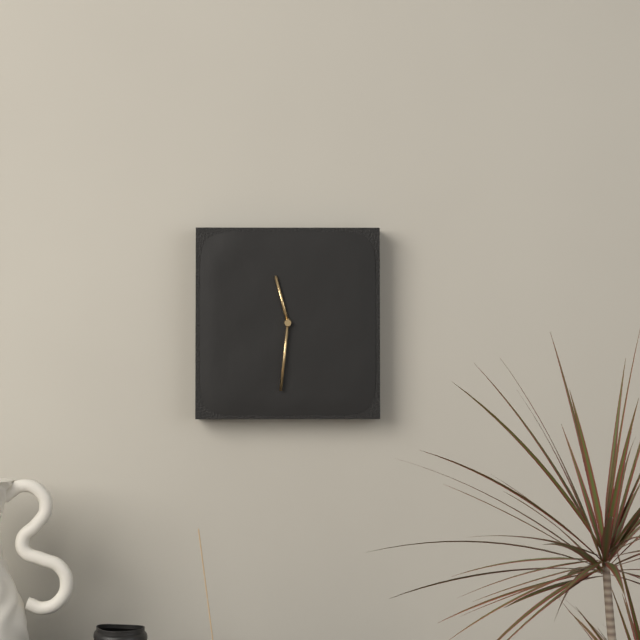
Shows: h=11 m=31
